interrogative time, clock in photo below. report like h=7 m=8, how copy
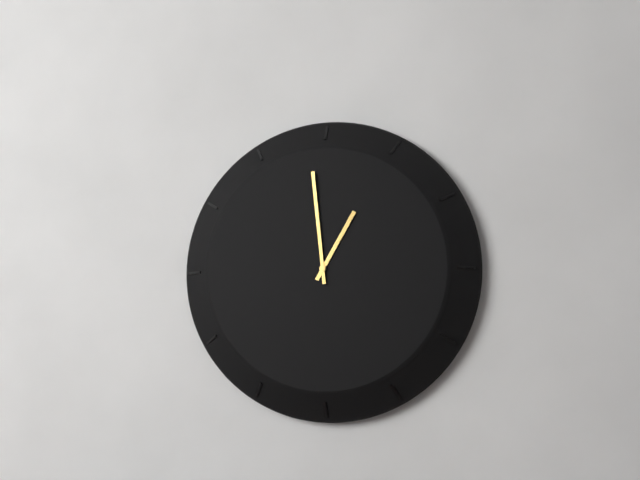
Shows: h=12 m=59
